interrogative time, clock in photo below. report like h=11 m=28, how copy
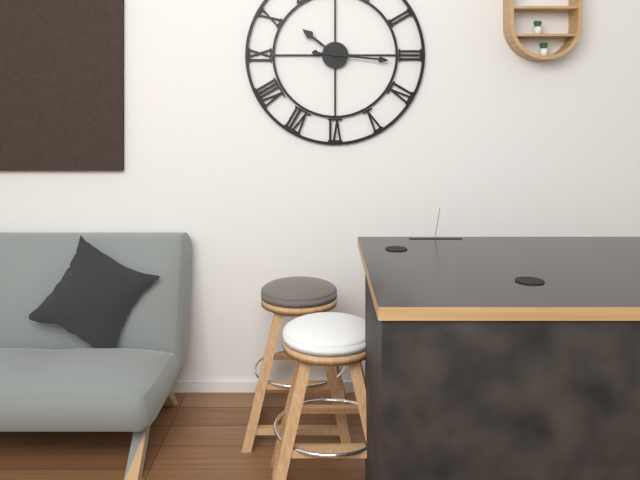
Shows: h=10 m=16
